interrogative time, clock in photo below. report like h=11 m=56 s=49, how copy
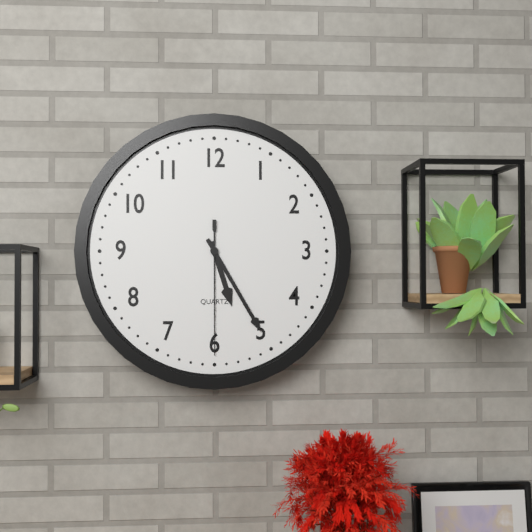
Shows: h=5 m=25 s=30
